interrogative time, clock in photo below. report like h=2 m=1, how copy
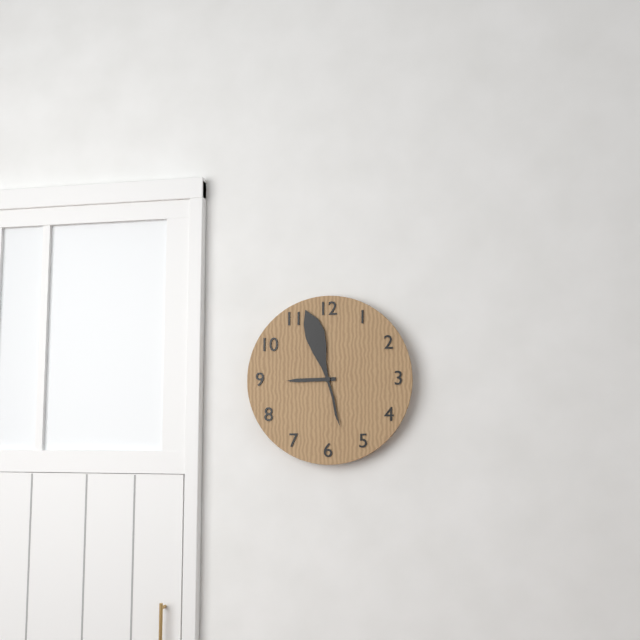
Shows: h=8 m=57
